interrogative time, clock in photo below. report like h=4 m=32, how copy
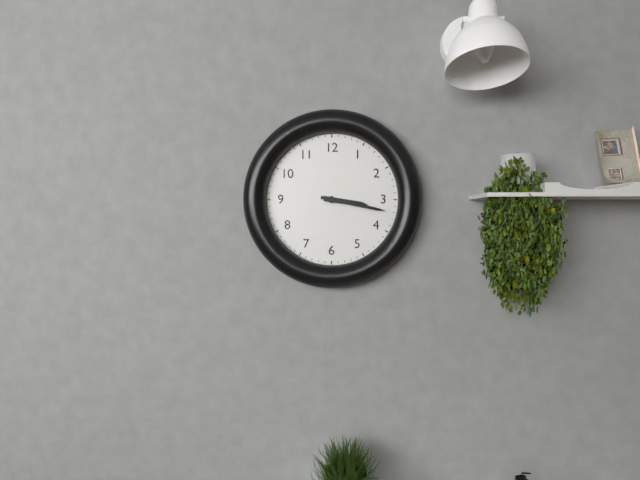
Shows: h=3 m=17
